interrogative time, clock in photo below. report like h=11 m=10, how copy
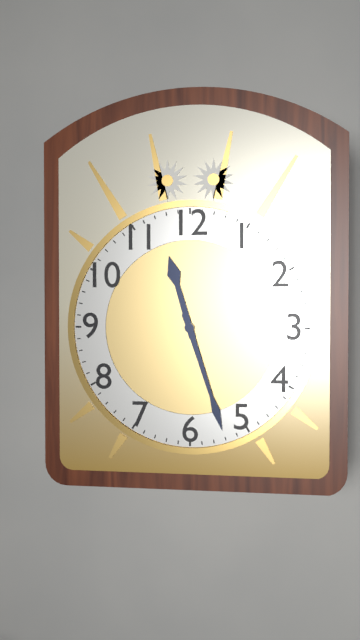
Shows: h=11 m=27
